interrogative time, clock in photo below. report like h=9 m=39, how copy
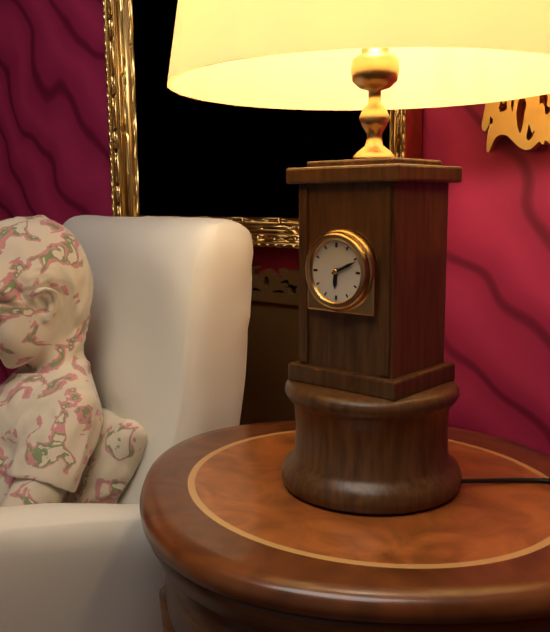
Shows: h=6 m=11
